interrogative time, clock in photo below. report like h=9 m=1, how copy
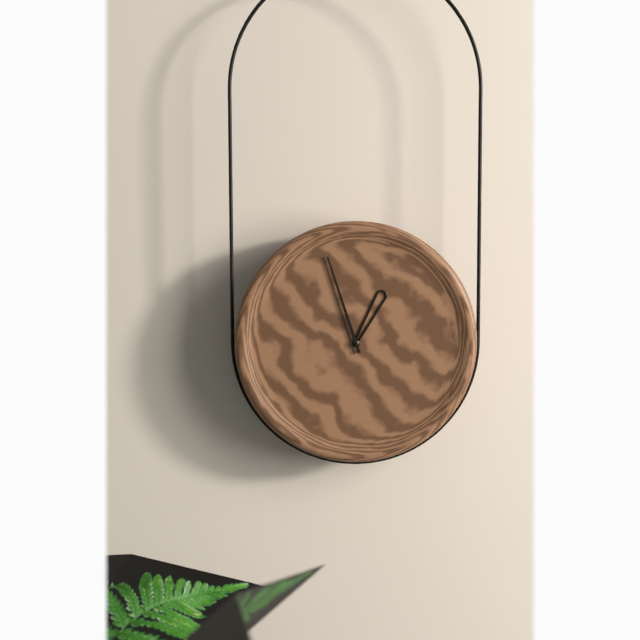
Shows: h=12 m=57
